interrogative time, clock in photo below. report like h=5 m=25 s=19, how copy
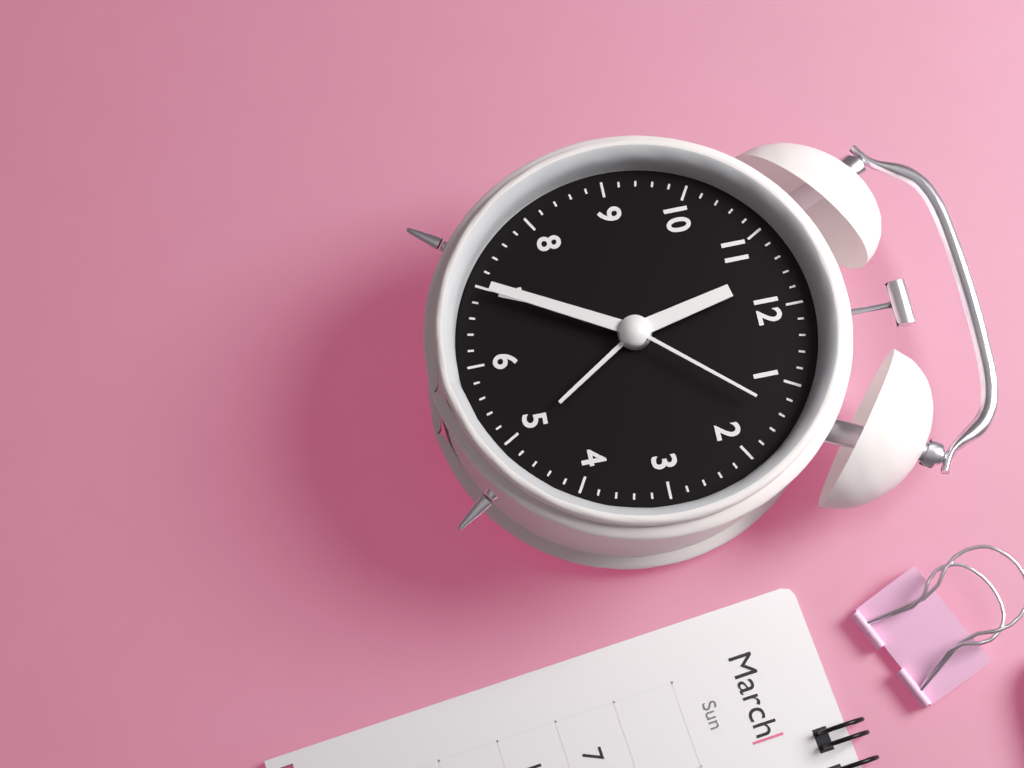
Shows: h=11 m=35 s=7
